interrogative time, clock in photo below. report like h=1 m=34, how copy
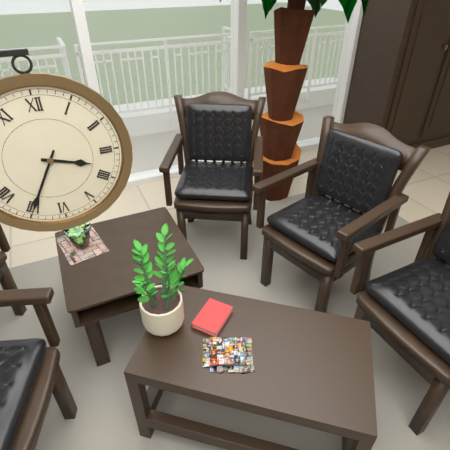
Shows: h=3 m=35
